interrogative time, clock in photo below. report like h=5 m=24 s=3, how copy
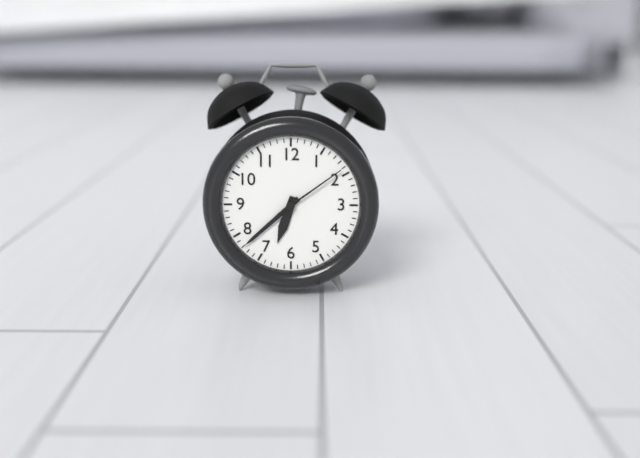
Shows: h=6 m=38 s=9
